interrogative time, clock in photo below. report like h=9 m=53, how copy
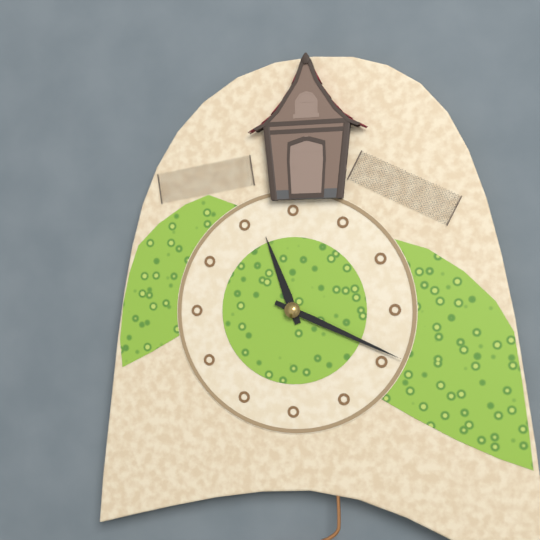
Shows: h=11 m=19
